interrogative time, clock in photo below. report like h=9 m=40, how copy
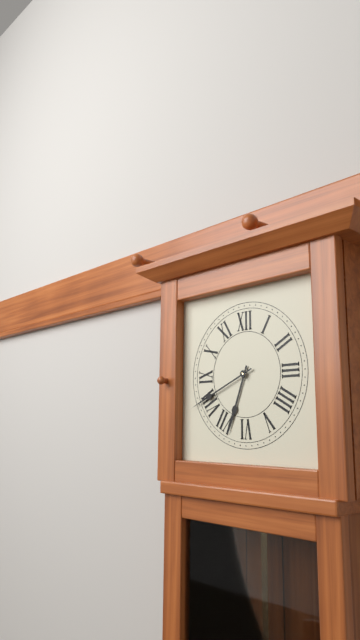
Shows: h=6 m=41
